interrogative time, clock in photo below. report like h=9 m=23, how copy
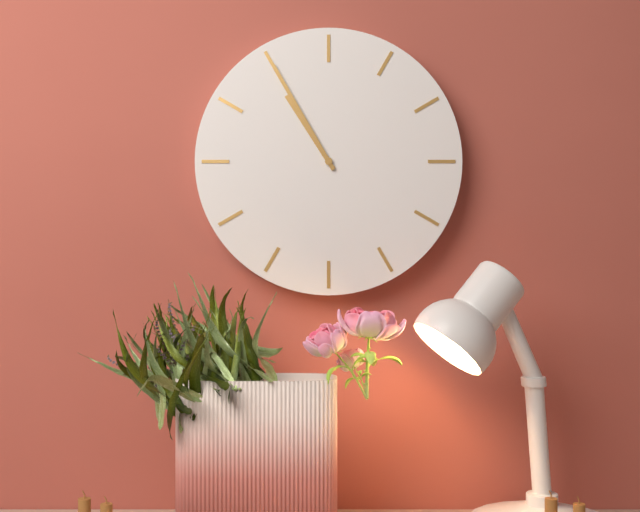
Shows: h=10 m=55
